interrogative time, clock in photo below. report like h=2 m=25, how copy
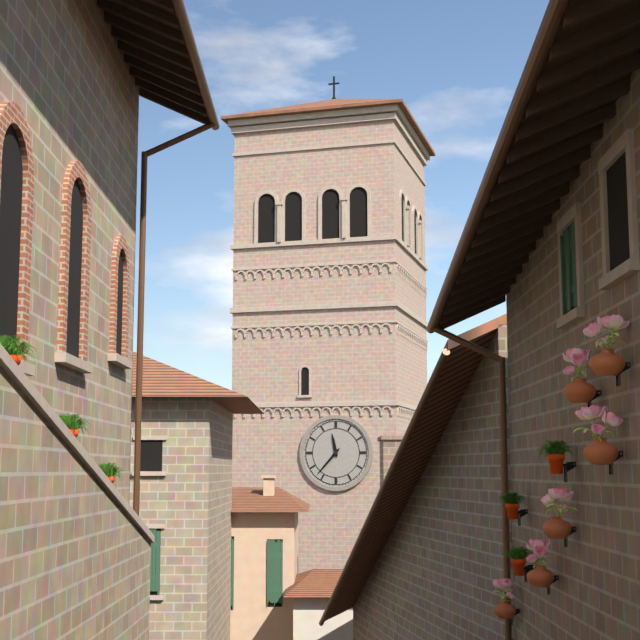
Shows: h=11 m=37
